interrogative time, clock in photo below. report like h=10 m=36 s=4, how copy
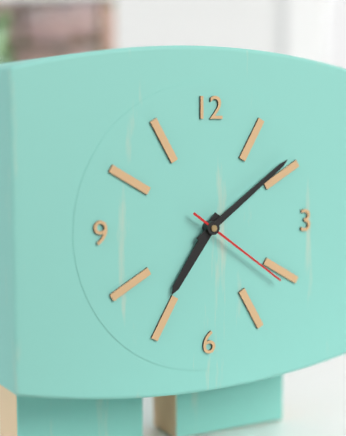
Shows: h=7 m=9 s=21
